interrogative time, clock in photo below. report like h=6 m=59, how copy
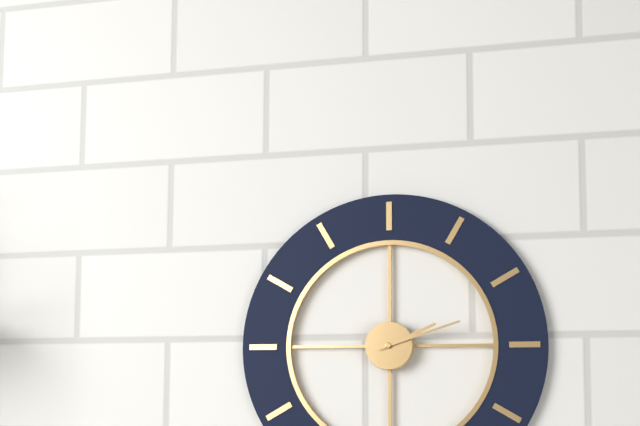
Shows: h=2 m=12
